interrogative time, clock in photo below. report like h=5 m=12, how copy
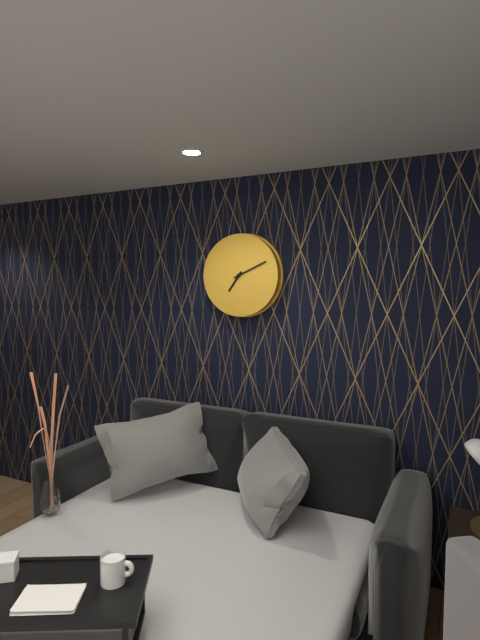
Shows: h=7 m=11
